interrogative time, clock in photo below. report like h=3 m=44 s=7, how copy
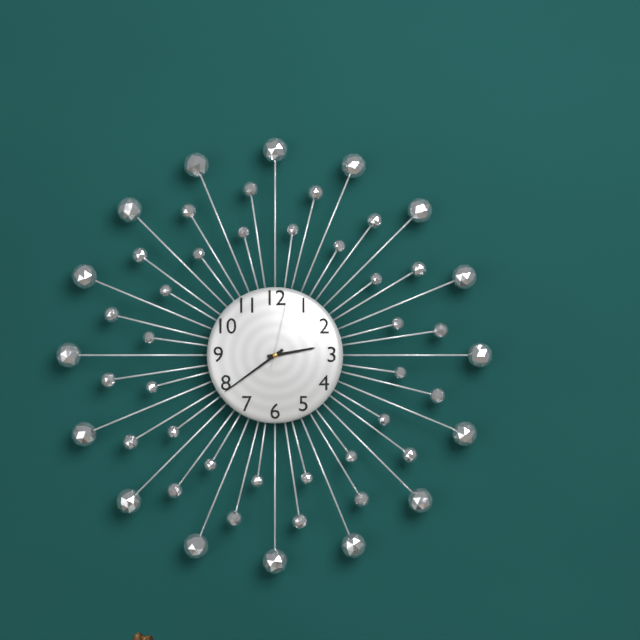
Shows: h=2 m=39 s=2
